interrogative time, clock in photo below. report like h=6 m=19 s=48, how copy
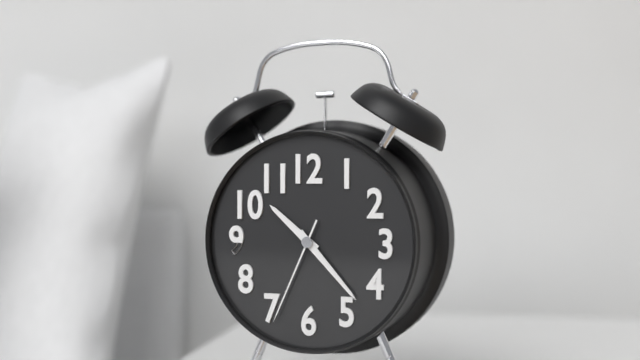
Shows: h=10 m=23 s=34
